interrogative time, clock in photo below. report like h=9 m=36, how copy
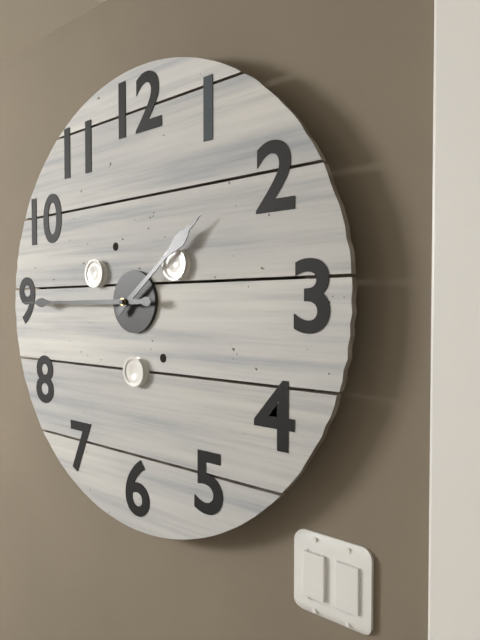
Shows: h=1 m=45
